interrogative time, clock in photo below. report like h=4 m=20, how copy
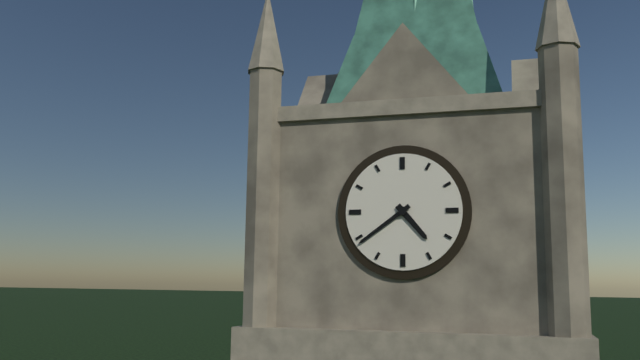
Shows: h=4 m=39
